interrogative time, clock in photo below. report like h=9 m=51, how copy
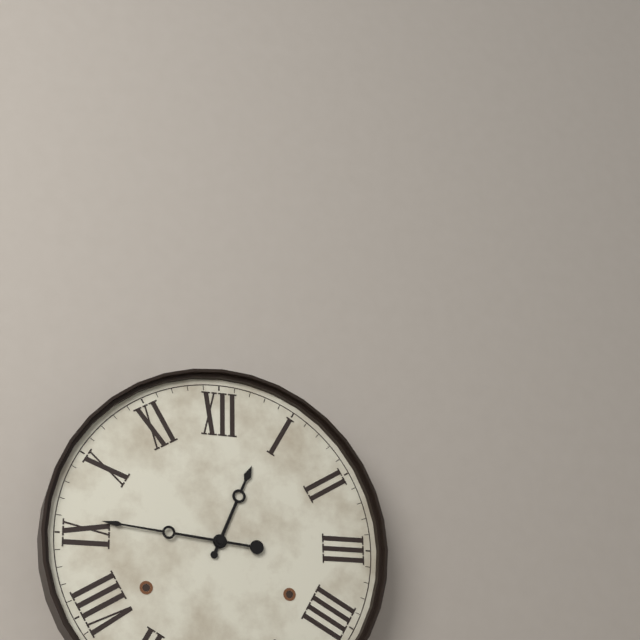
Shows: h=12 m=46
